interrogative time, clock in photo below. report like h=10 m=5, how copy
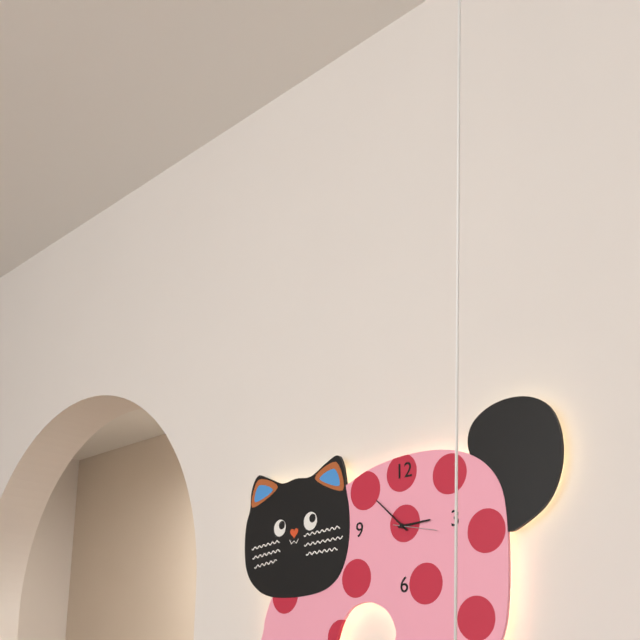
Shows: h=2 m=52
